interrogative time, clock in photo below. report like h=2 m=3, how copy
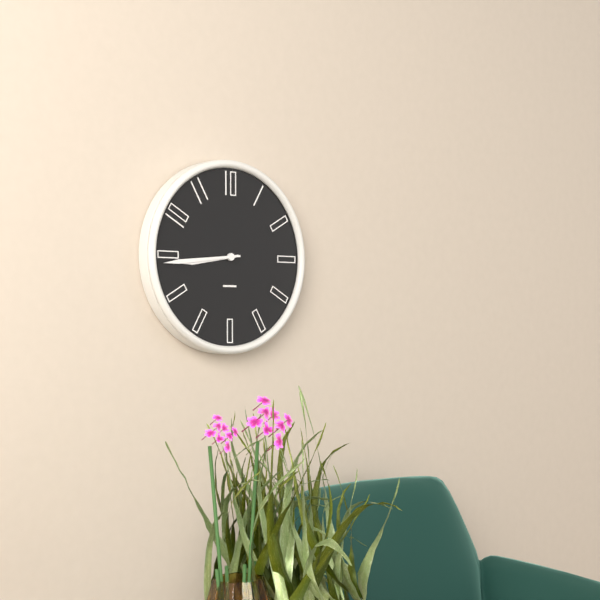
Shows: h=8 m=44
